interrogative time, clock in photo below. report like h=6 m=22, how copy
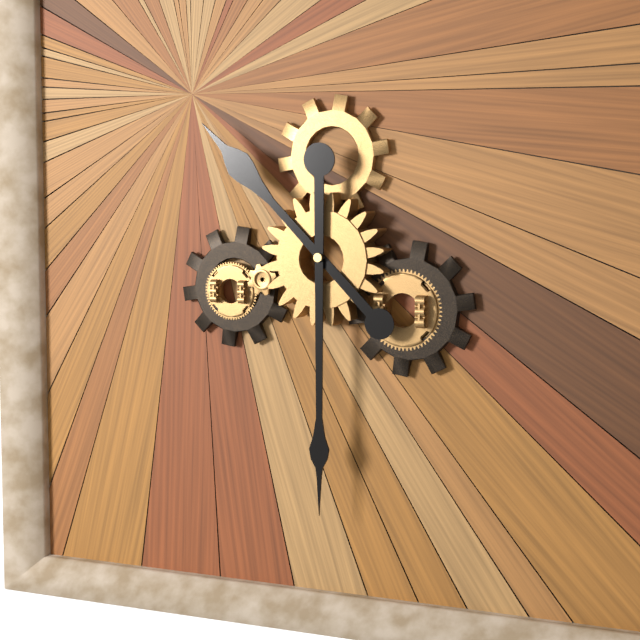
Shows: h=10 m=30
